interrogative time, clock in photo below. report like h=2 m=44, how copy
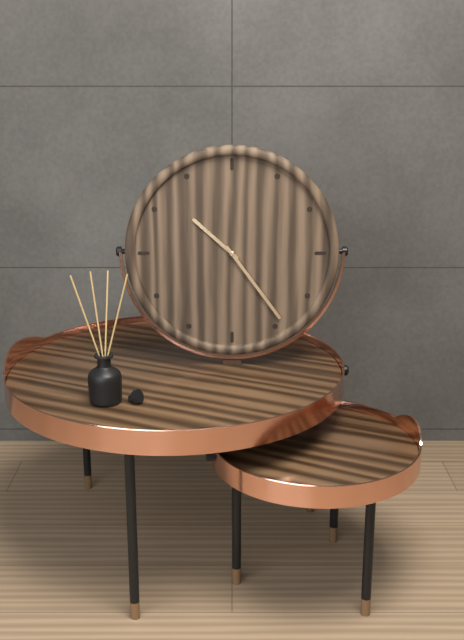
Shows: h=10 m=24
